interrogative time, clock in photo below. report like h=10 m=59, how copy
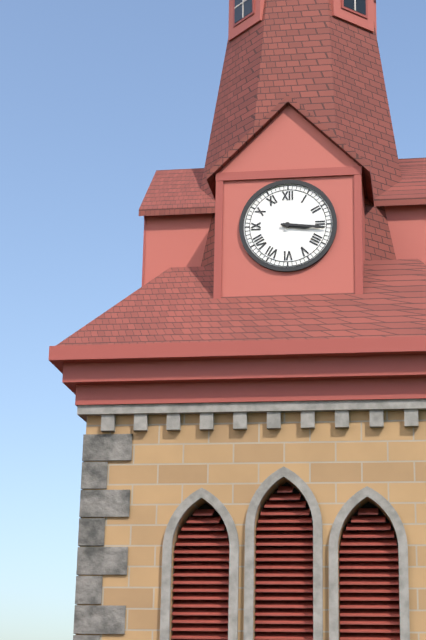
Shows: h=3 m=16
